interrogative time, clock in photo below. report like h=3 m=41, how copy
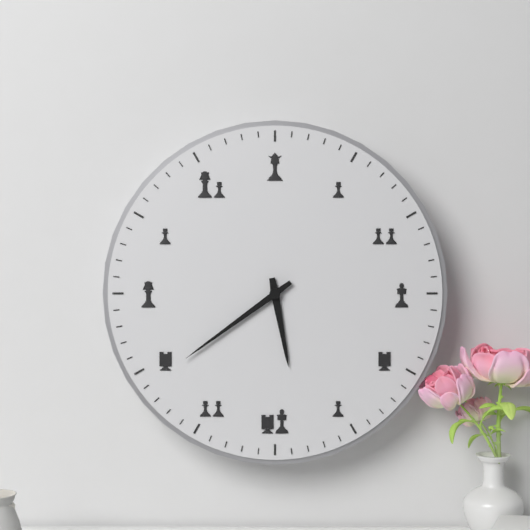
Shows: h=5 m=39
